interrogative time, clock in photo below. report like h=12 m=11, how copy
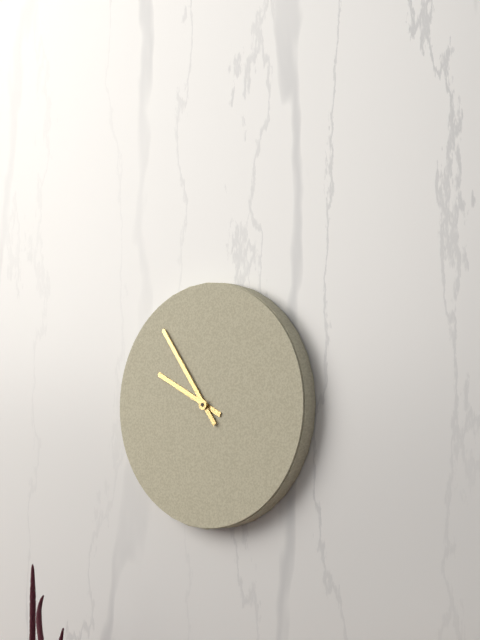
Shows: h=9 m=54
